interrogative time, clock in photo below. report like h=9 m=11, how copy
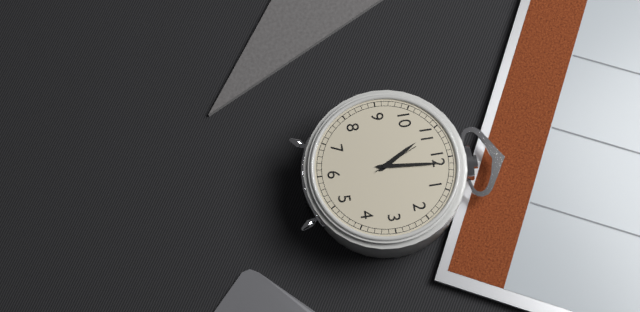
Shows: h=11 m=1
